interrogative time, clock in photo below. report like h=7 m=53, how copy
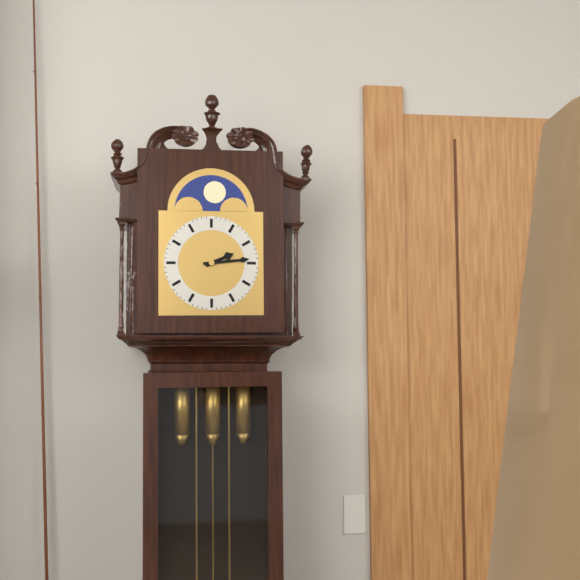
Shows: h=2 m=14
